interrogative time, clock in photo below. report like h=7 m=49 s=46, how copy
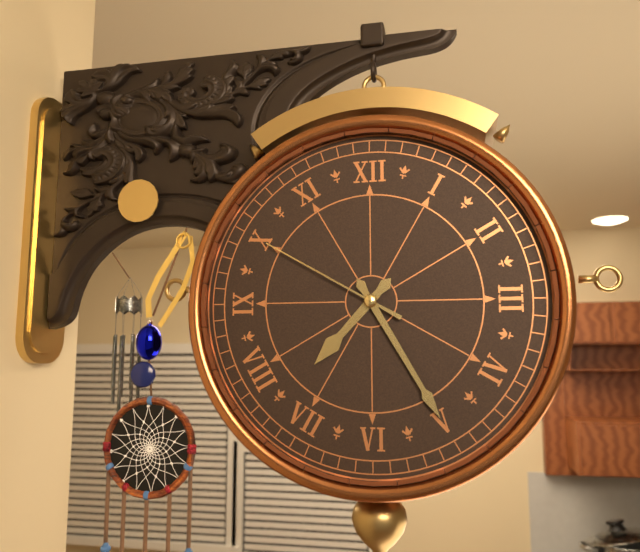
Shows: h=7 m=25 s=50
